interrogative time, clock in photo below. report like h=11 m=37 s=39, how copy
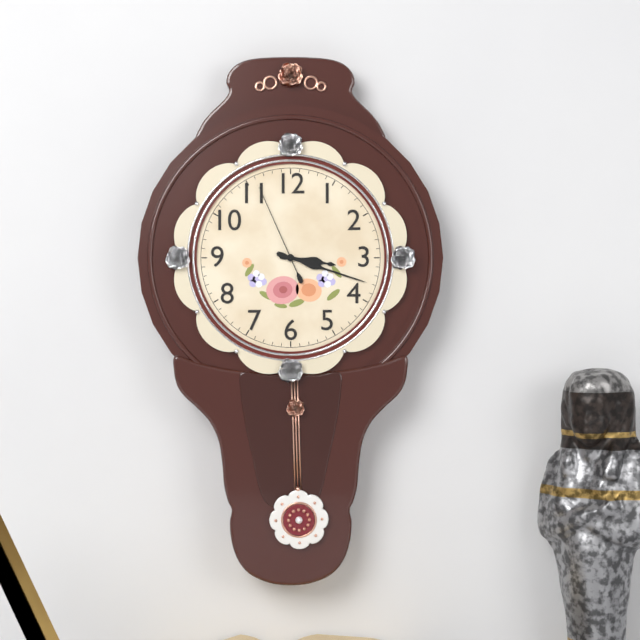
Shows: h=3 m=18 s=56
